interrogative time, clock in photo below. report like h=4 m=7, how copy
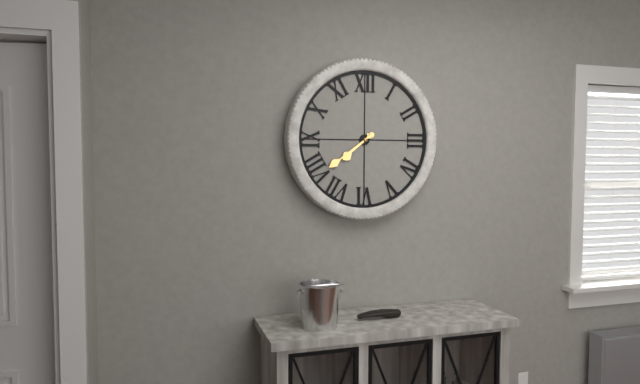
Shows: h=7 m=39
